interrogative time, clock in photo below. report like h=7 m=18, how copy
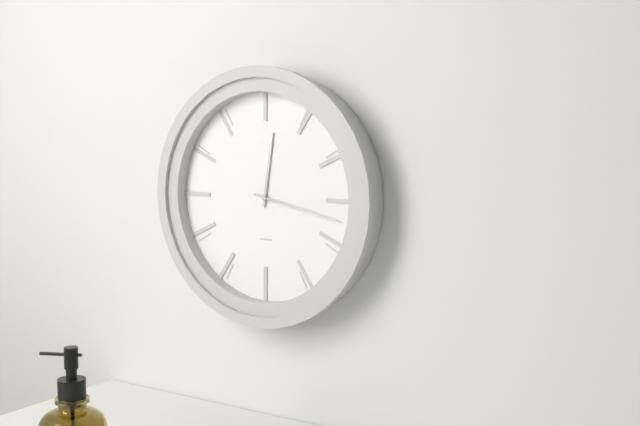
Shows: h=12 m=17
